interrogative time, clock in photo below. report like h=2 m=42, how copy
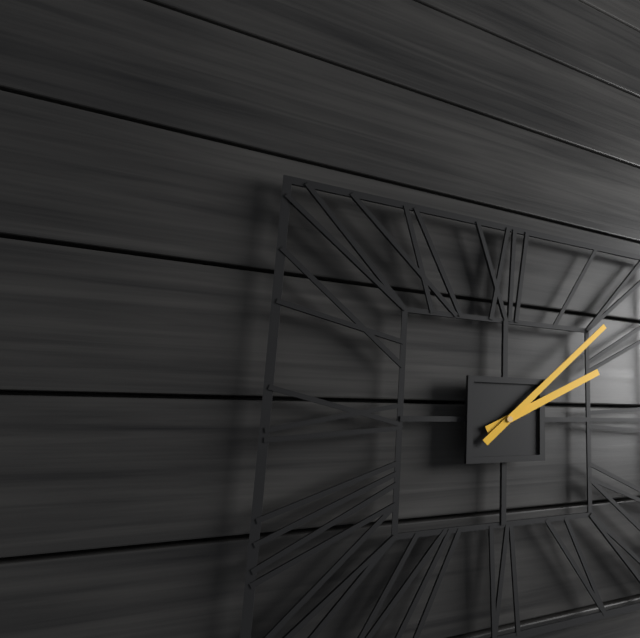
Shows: h=2 m=8
